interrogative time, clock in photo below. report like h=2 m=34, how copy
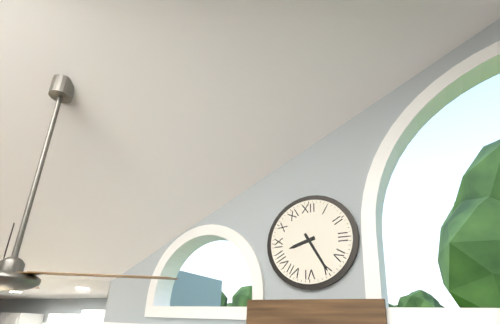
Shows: h=8 m=25
